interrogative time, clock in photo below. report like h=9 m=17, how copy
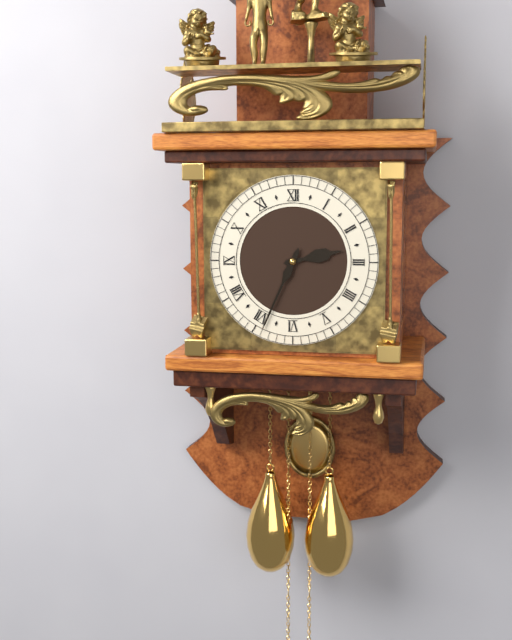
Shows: h=2 m=34
